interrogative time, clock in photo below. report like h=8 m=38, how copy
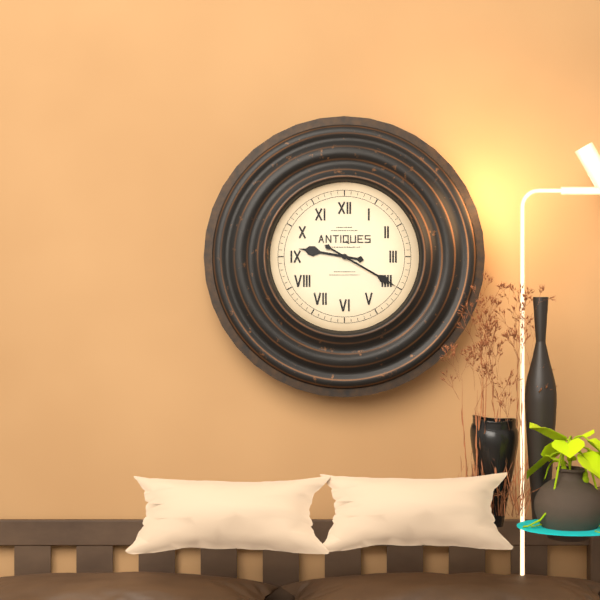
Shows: h=9 m=20
